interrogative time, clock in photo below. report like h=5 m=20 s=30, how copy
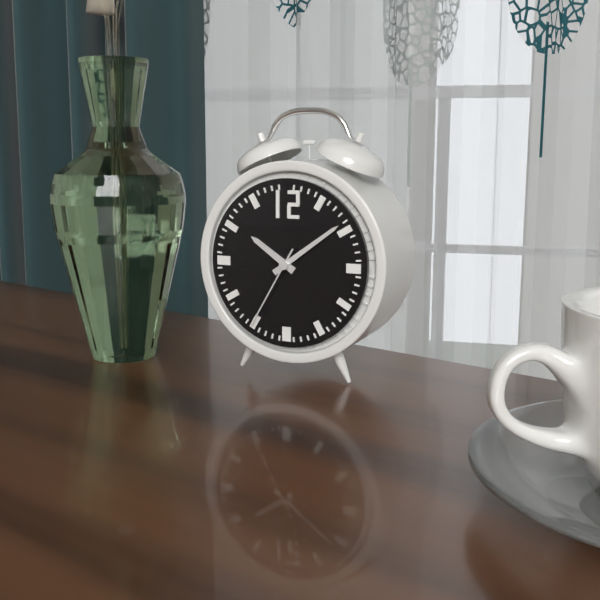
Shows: h=10 m=9 s=35
